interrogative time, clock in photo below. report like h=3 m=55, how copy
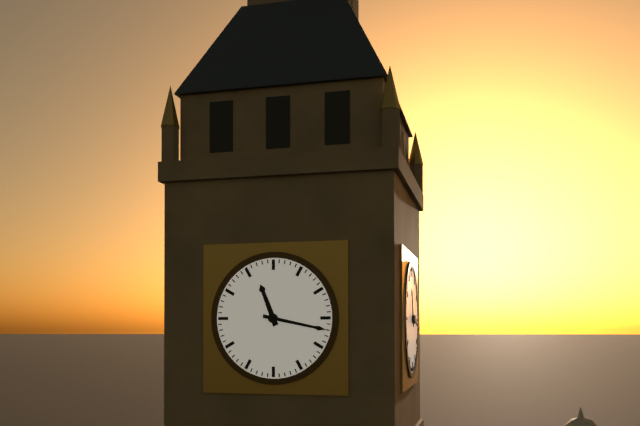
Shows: h=11 m=17
